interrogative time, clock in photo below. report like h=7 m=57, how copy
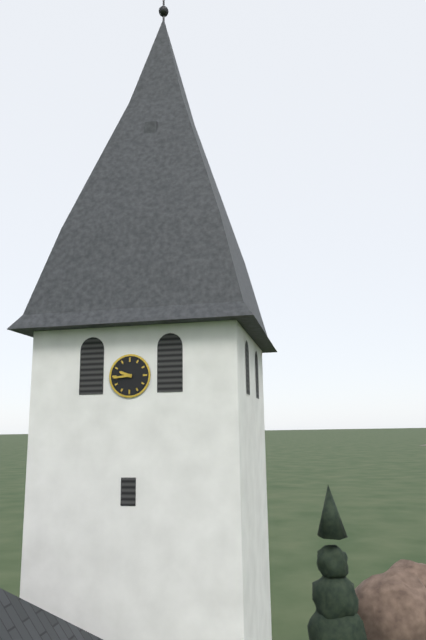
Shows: h=9 m=44
